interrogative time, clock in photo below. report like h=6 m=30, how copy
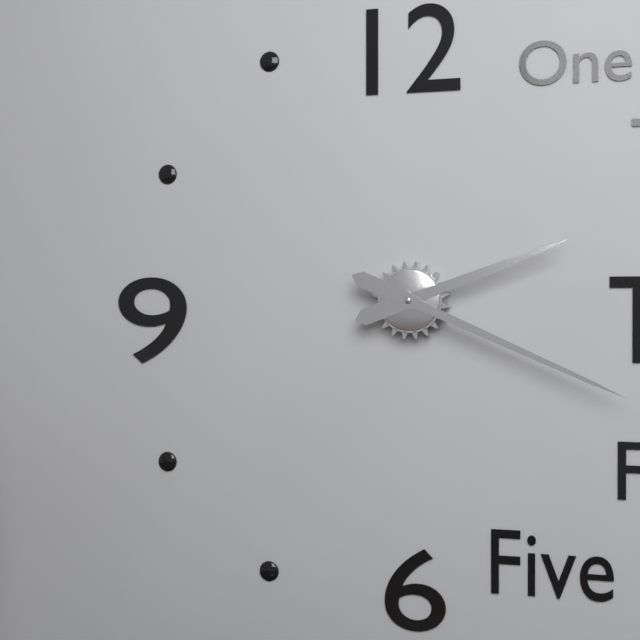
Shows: h=2 m=19
